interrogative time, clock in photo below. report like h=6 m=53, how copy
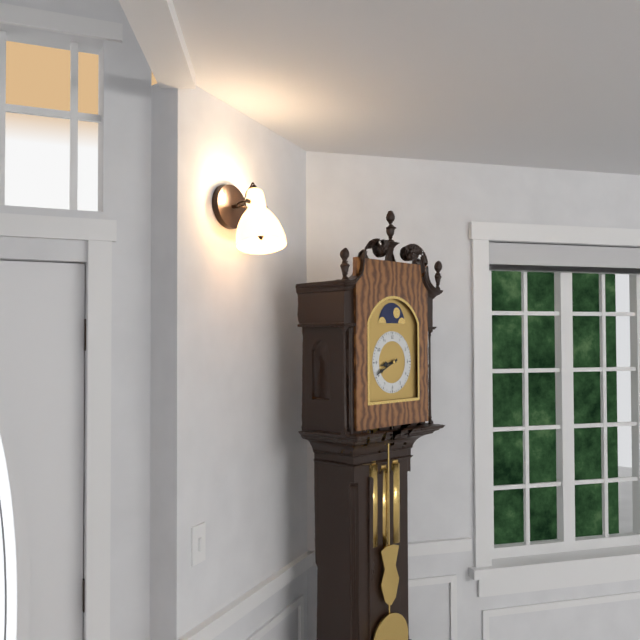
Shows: h=8 m=41
